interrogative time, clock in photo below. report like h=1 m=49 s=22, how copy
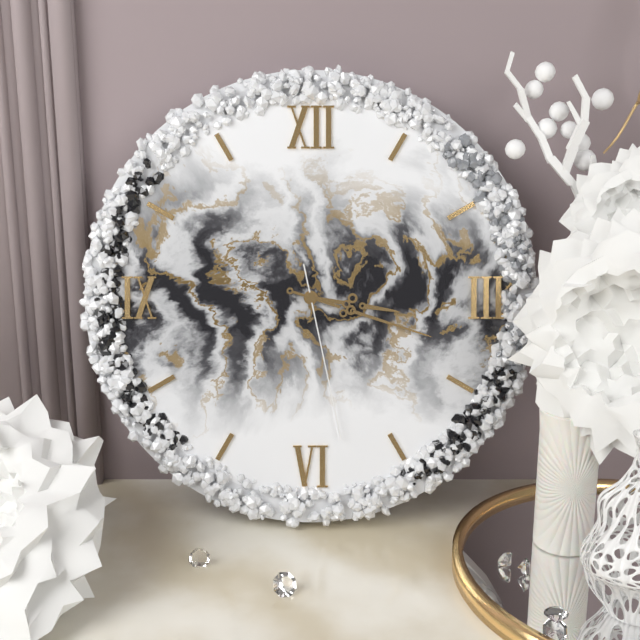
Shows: h=3 m=18 s=28
